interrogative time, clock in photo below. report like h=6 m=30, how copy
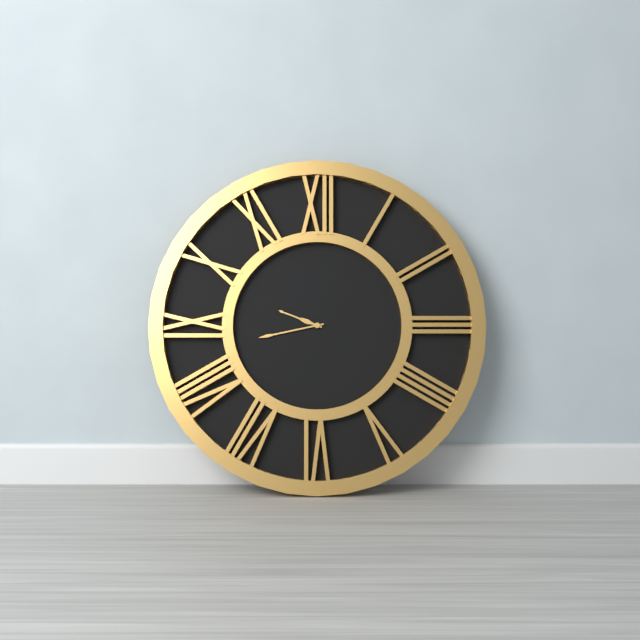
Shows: h=9 m=43
